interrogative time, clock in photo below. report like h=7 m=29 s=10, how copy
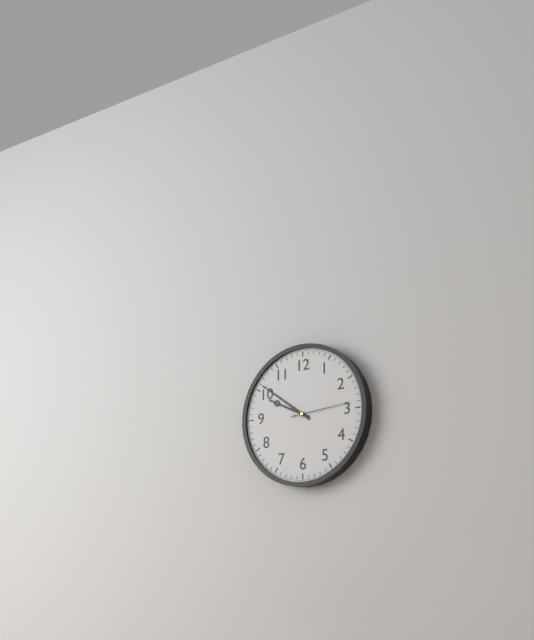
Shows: h=9 m=51 s=14
